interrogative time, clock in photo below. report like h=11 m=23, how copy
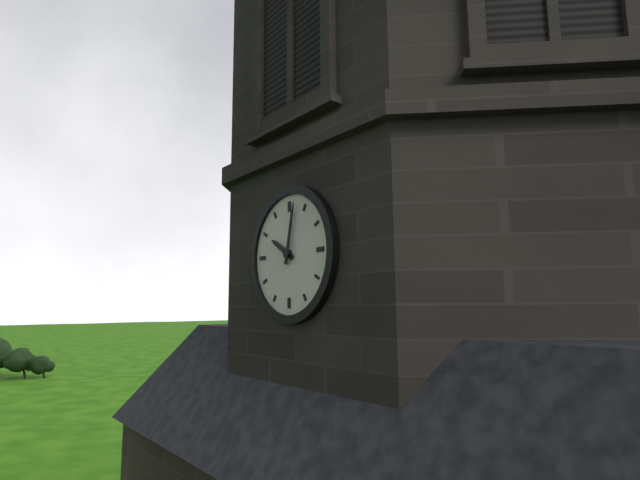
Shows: h=10 m=2
